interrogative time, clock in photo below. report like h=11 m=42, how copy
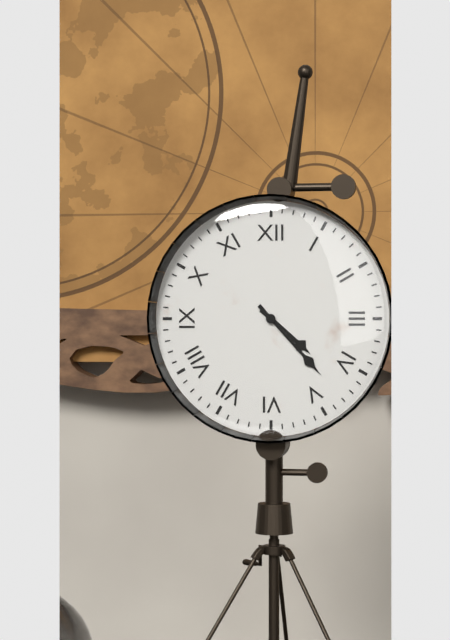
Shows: h=4 m=23
